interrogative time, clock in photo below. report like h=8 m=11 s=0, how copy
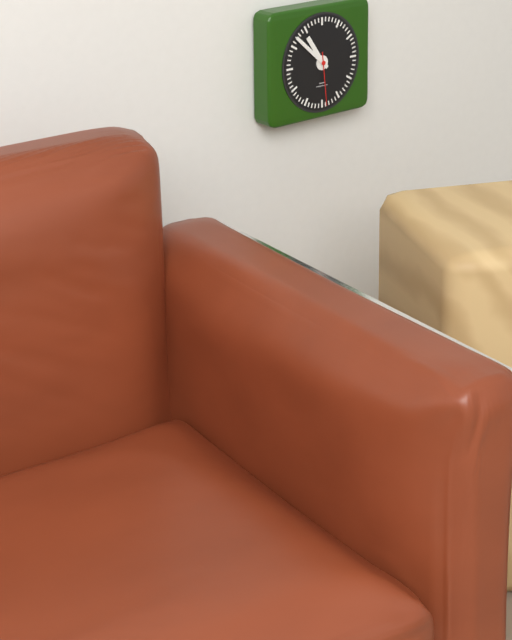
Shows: h=10 m=52 s=29
